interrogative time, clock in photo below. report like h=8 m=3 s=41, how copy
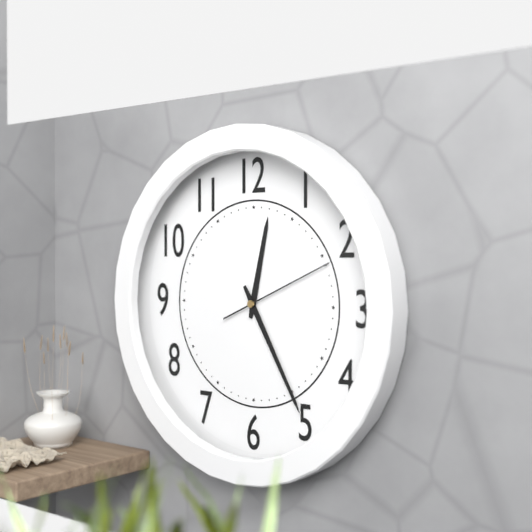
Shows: h=12 m=25 s=11
